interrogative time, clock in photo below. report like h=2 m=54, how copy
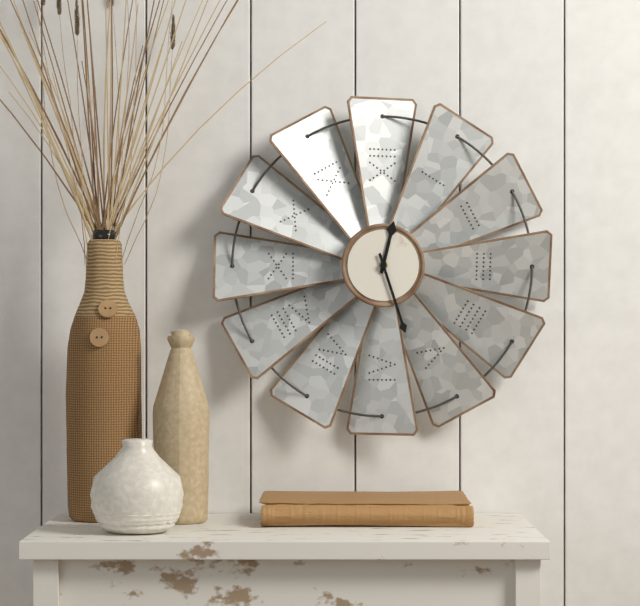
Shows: h=12 m=27
